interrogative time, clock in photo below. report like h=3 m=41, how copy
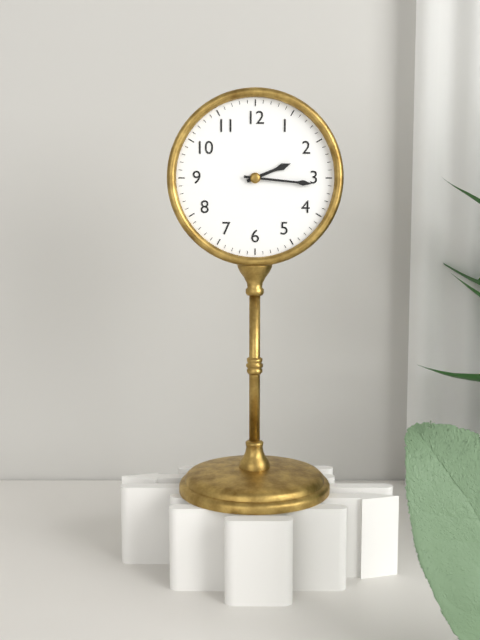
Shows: h=2 m=16
